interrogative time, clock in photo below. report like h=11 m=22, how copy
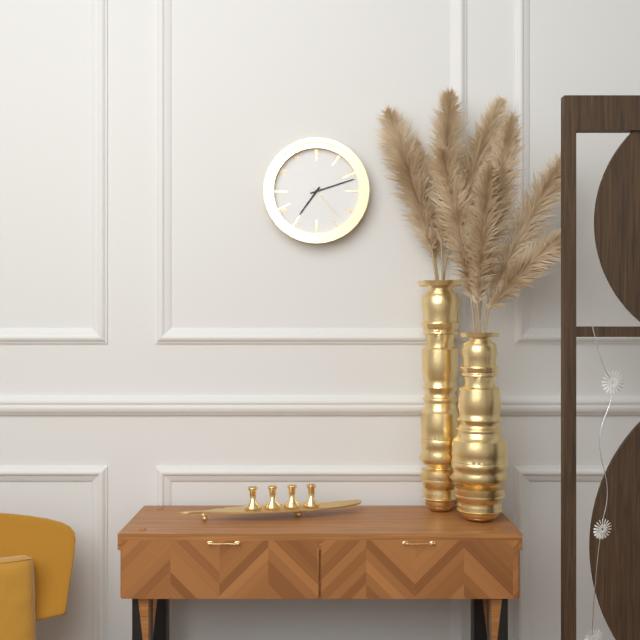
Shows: h=7 m=12
